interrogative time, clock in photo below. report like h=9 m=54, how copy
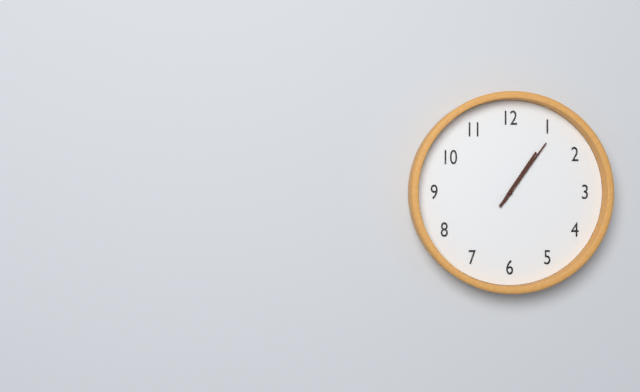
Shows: h=1 m=6
